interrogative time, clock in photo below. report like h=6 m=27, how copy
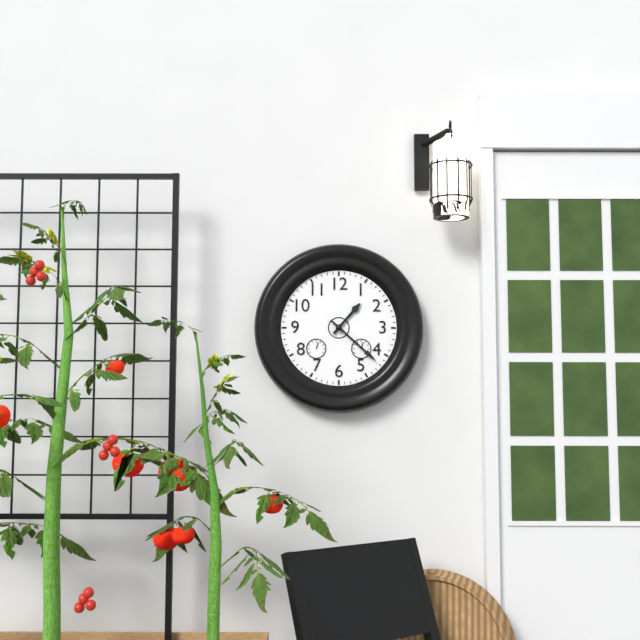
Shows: h=1 m=22
